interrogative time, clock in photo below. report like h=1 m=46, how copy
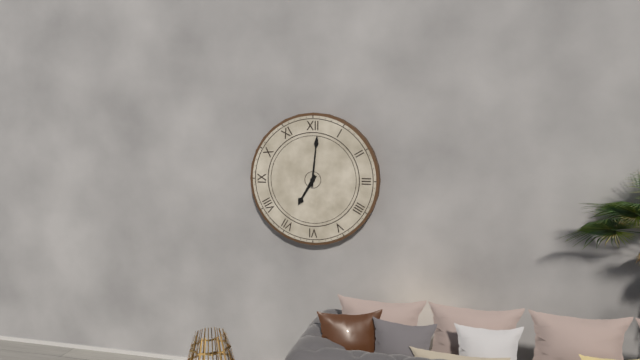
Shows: h=7 m=1
